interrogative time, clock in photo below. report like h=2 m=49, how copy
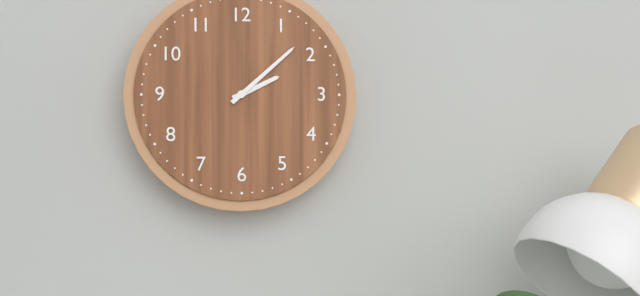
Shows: h=2 m=8
